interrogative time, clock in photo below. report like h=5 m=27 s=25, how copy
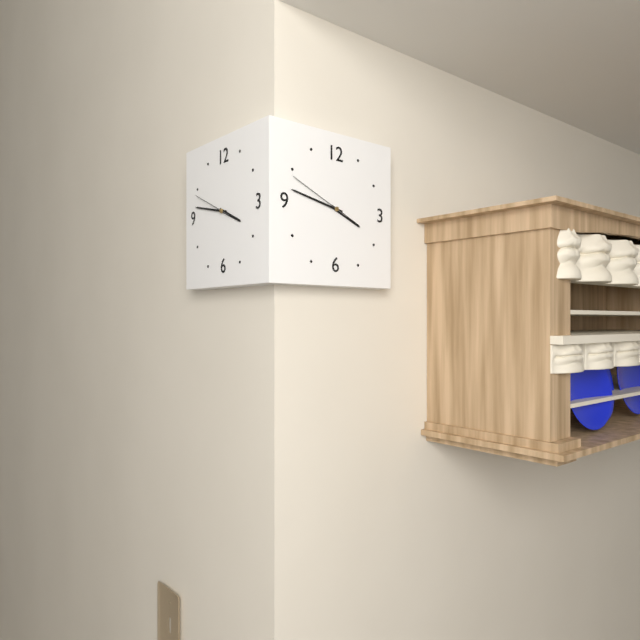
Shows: h=3 m=47 s=49
